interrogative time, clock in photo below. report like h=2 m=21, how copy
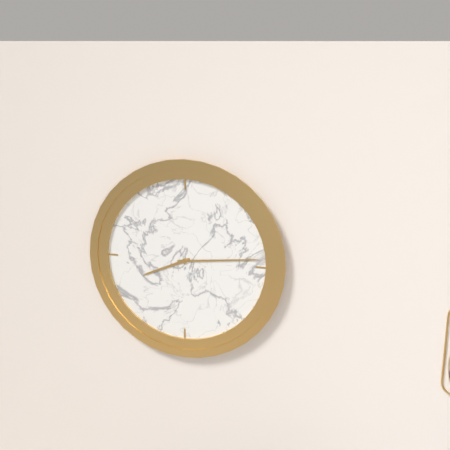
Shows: h=8 m=14
